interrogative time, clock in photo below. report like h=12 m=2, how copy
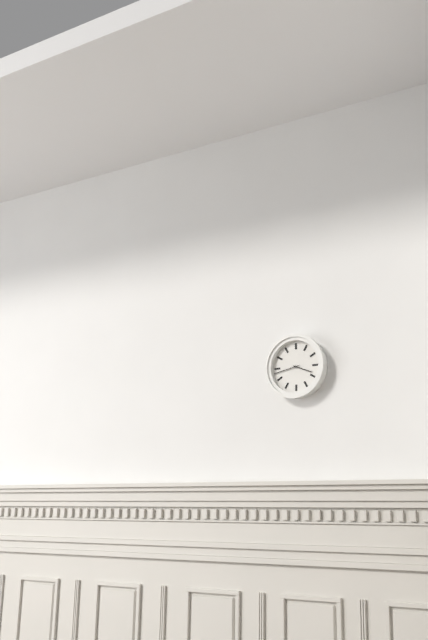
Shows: h=3 m=43
